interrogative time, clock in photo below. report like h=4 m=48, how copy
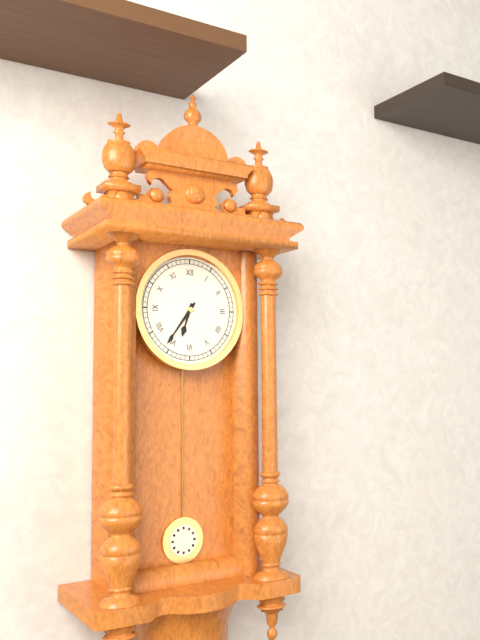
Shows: h=6 m=36
